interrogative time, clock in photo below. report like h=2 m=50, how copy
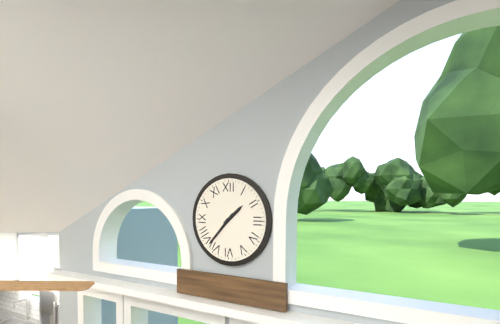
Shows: h=1 m=37
